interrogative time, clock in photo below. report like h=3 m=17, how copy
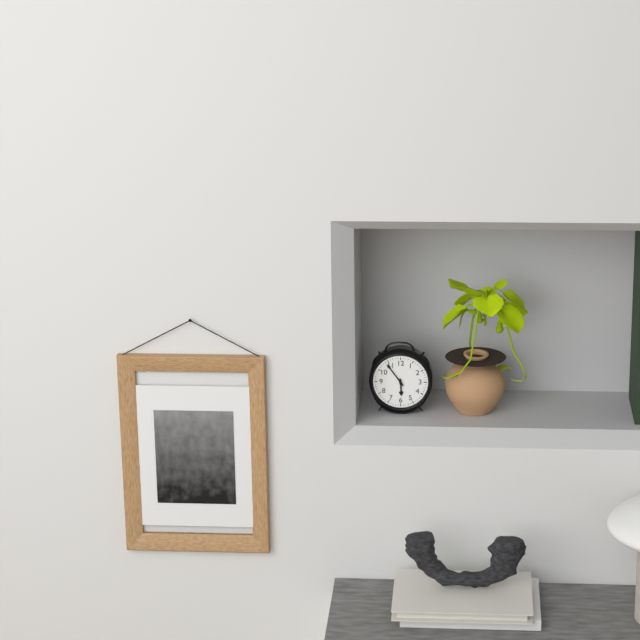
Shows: h=5 m=54
